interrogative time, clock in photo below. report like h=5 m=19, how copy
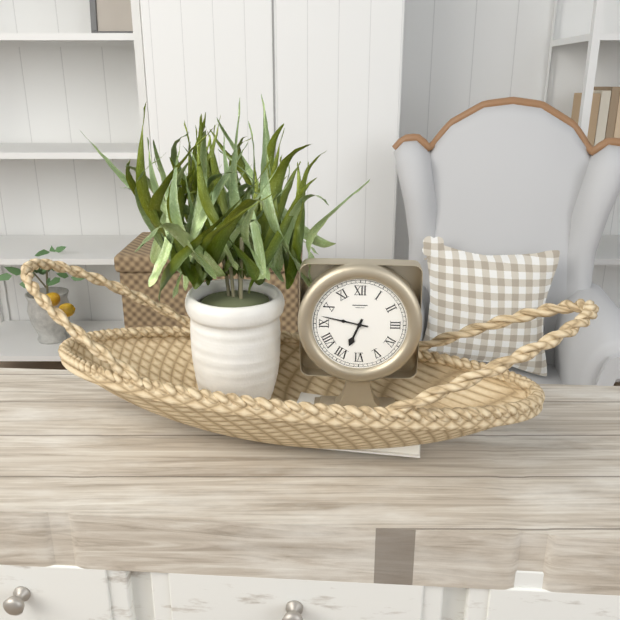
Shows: h=6 m=47
